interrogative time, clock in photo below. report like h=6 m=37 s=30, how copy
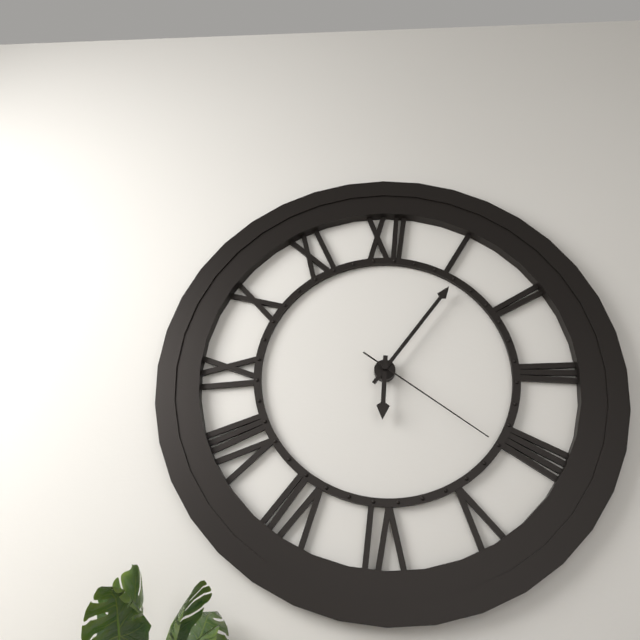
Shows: h=6 m=6 s=21
